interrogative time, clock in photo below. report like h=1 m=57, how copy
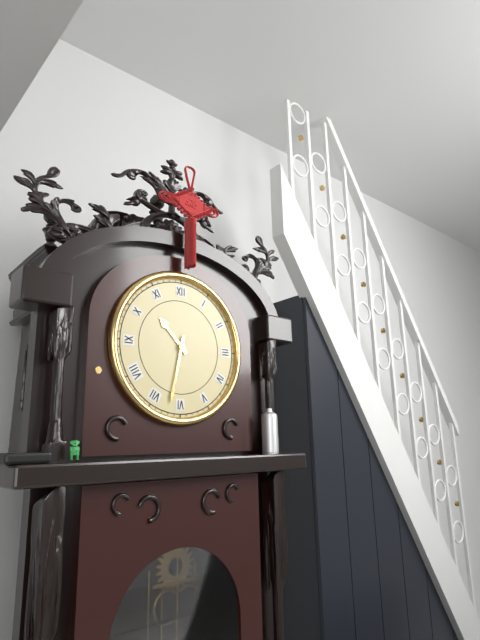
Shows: h=10 m=32
